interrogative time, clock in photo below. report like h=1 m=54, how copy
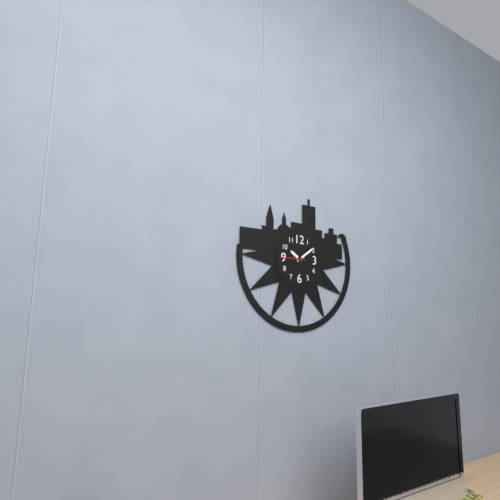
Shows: h=10 m=9
